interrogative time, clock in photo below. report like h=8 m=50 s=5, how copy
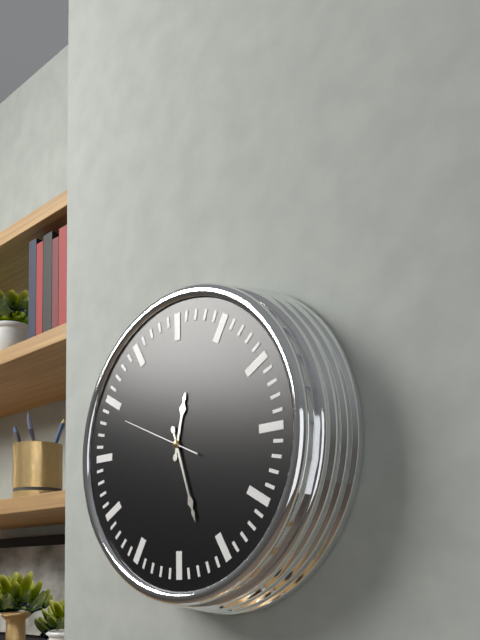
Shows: h=12 m=27 s=49
